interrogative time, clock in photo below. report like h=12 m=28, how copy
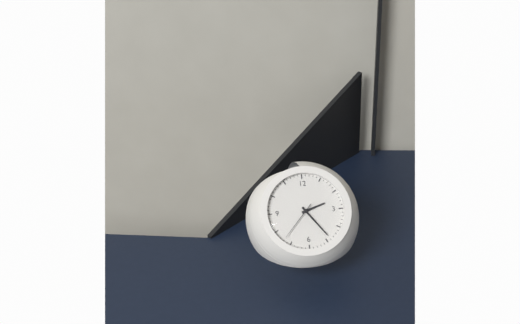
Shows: h=2 m=24
